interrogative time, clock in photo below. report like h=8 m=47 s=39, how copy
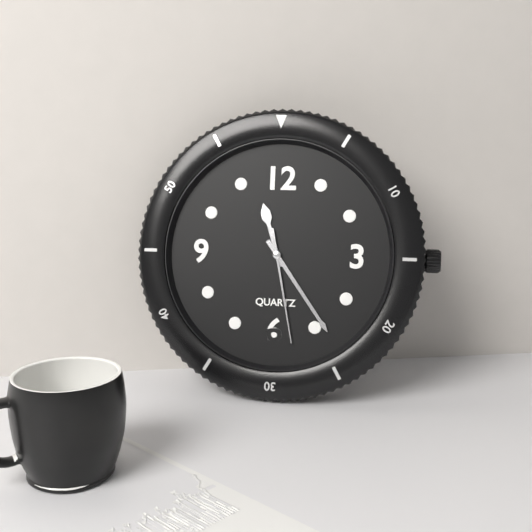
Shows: h=11 m=24 s=28
